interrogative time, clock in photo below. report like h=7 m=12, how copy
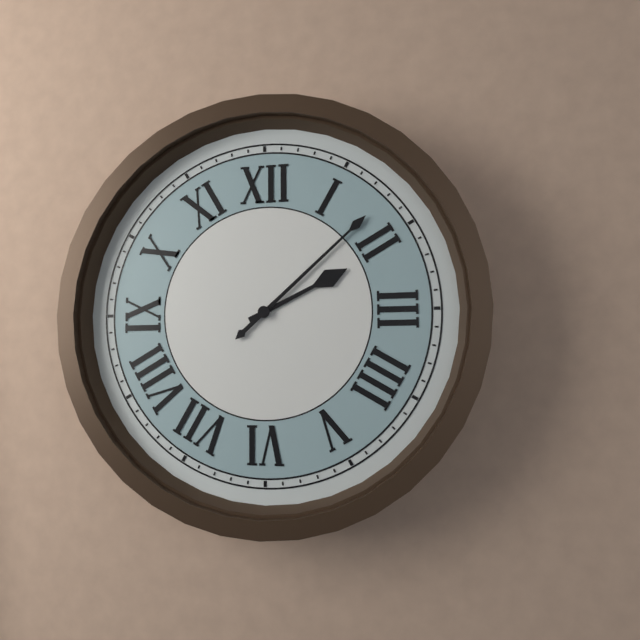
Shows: h=2 m=8
